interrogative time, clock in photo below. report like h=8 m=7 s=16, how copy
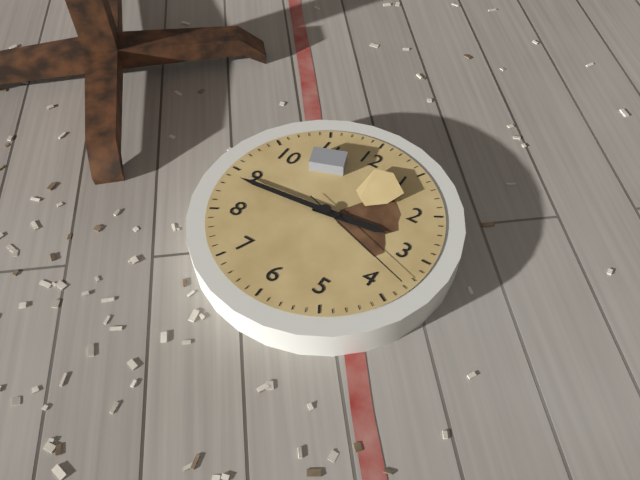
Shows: h=2 m=44 s=18
